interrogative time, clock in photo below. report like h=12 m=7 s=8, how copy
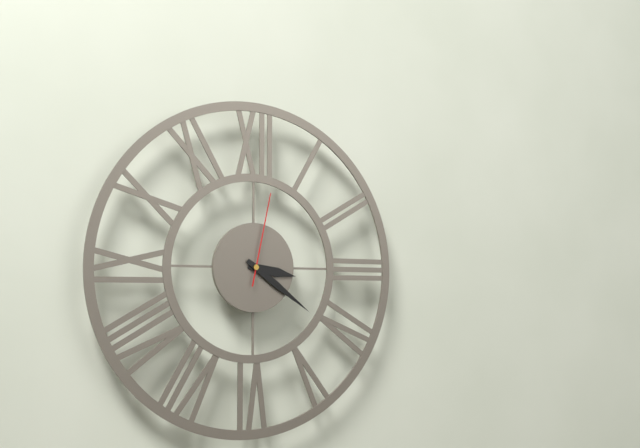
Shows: h=3 m=21 s=2
